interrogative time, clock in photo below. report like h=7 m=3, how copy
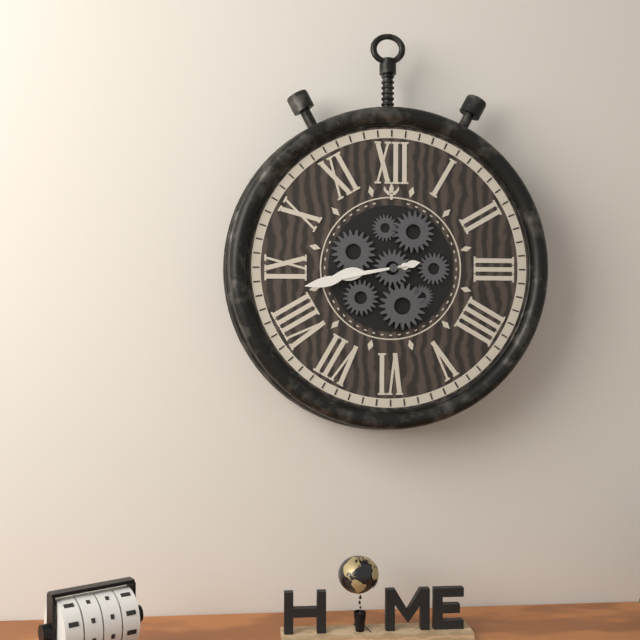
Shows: h=8 m=43
